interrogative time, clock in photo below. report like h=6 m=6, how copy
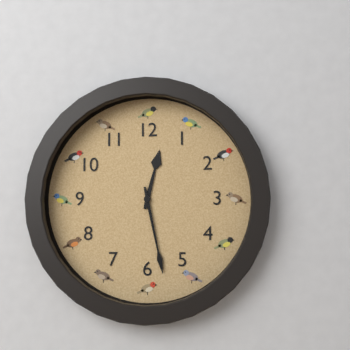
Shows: h=12 m=28
